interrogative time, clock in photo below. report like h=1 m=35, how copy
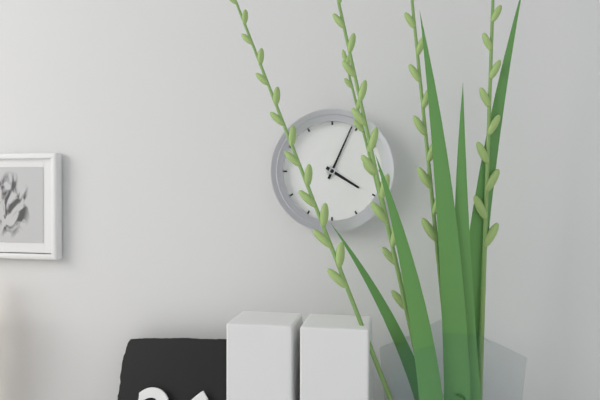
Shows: h=4 m=4
